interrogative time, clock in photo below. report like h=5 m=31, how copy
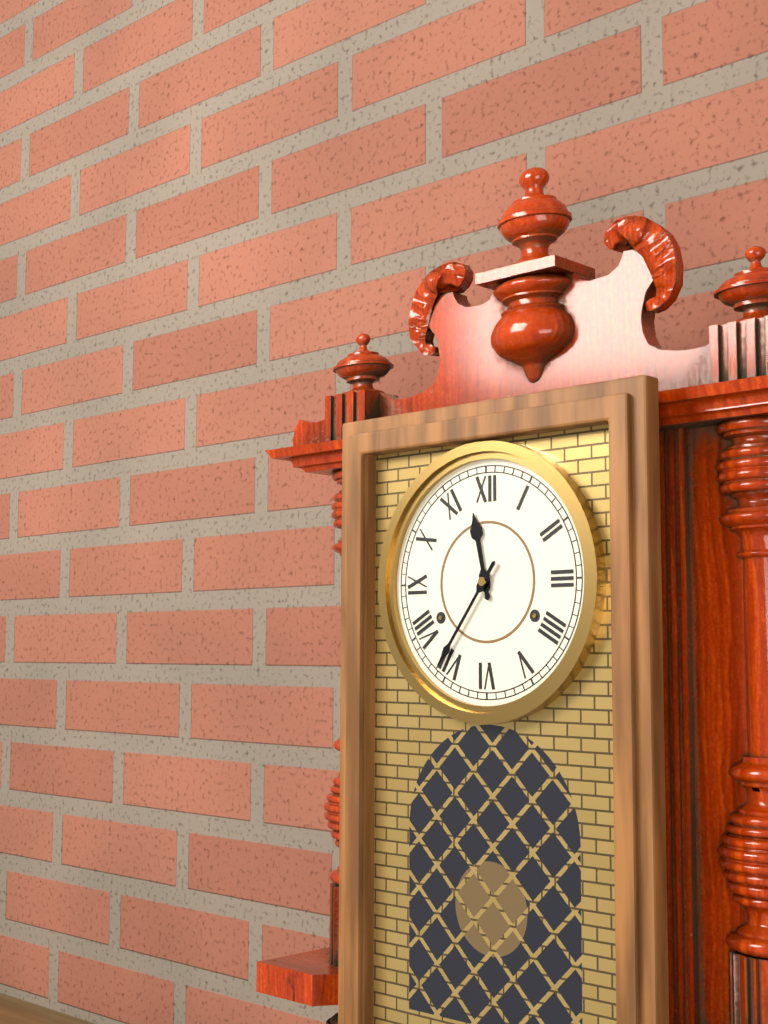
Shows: h=11 m=36
